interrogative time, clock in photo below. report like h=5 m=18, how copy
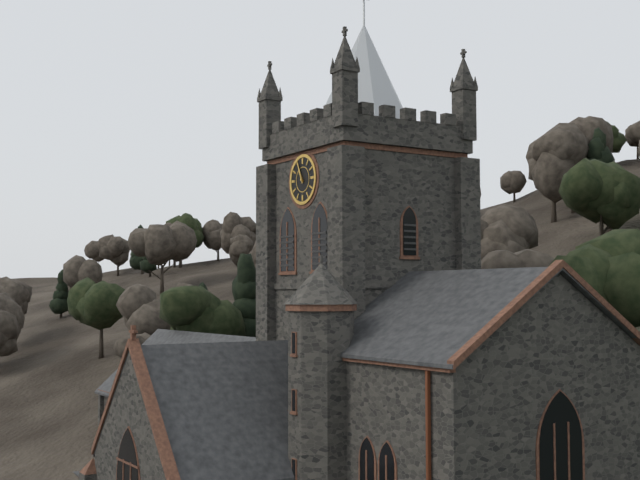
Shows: h=10 m=56
